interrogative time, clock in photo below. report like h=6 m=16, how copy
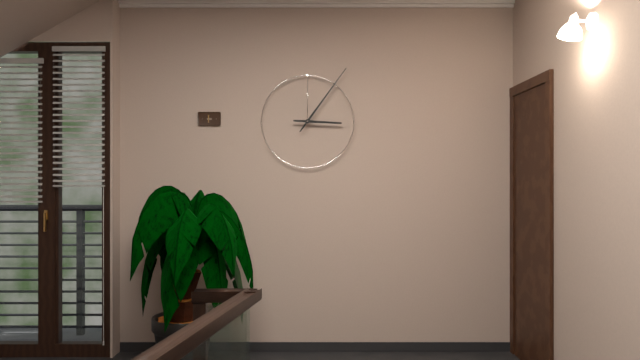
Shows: h=3 m=6
